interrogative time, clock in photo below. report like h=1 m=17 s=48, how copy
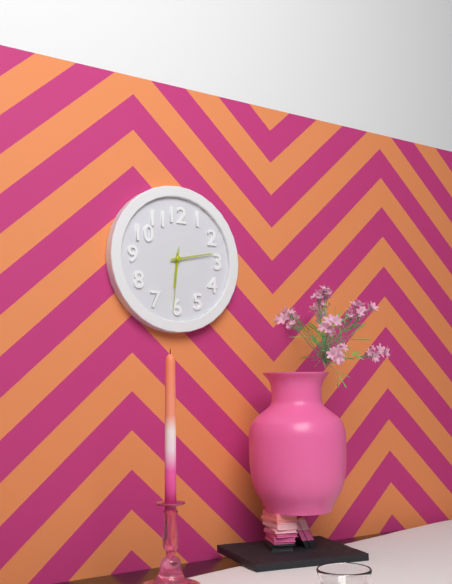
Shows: h=6 m=13 s=31
